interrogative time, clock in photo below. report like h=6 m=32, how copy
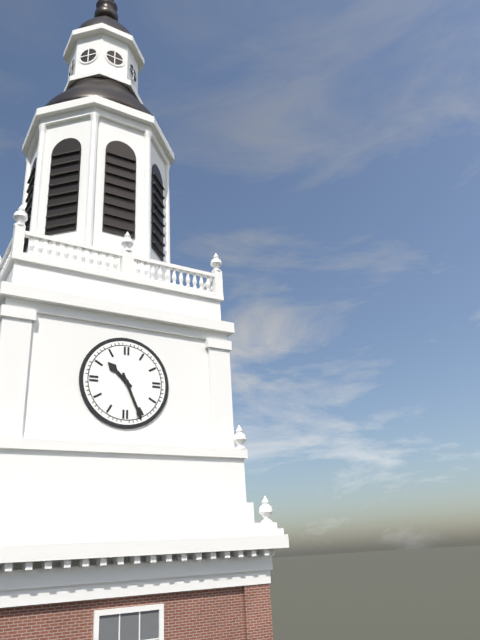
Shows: h=10 m=26
